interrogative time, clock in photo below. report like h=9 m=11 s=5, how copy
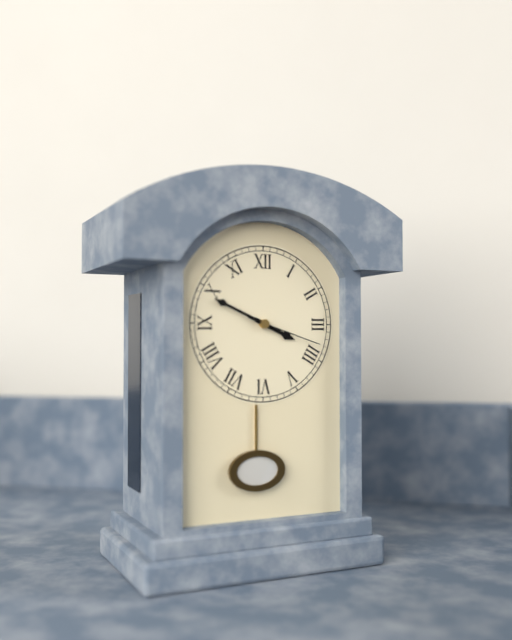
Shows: h=3 m=49 s=18
